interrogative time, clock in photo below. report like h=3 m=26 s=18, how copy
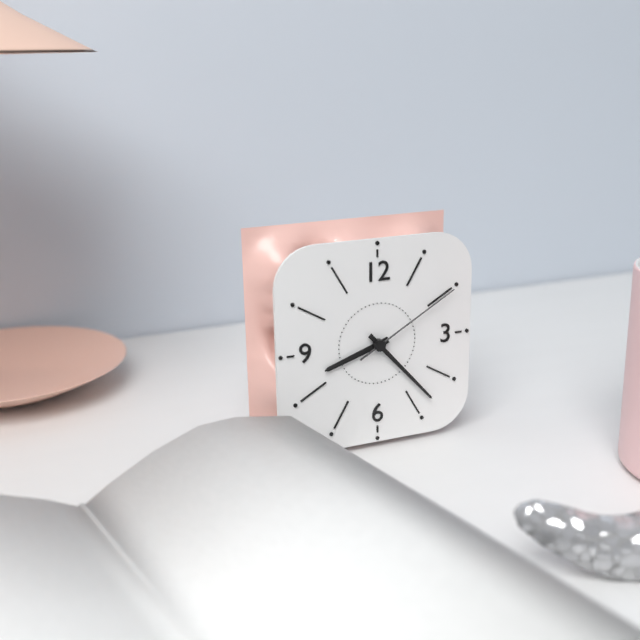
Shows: h=8 m=23 s=10
